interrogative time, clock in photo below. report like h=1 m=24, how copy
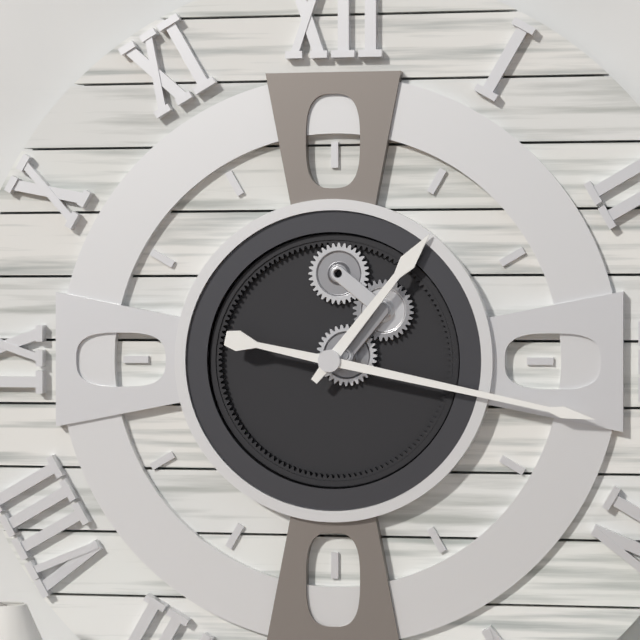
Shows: h=1 m=17
